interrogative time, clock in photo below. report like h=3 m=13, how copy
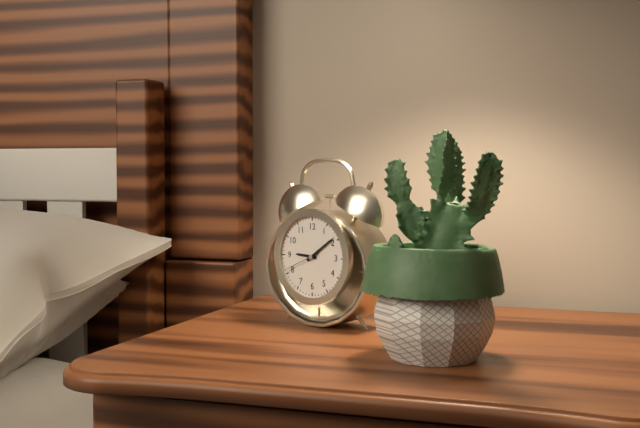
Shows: h=9 m=9
